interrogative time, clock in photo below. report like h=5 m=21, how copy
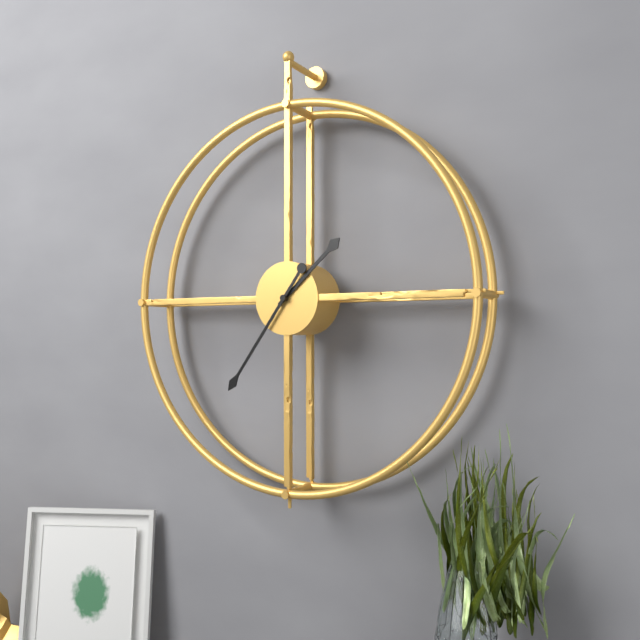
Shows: h=1 m=36
